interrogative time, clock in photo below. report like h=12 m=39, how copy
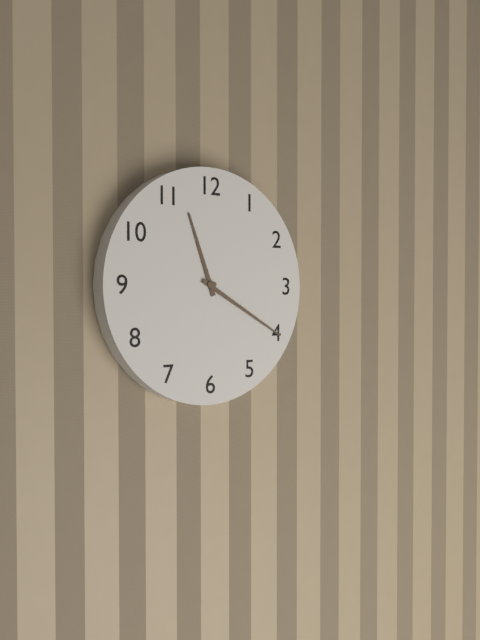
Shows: h=11 m=20
